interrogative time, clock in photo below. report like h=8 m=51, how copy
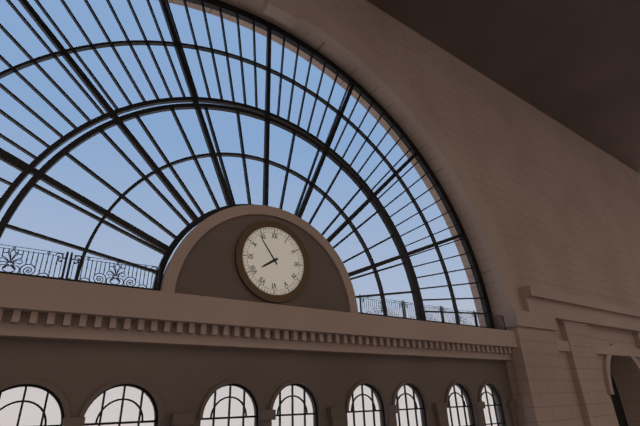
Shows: h=7 m=54
